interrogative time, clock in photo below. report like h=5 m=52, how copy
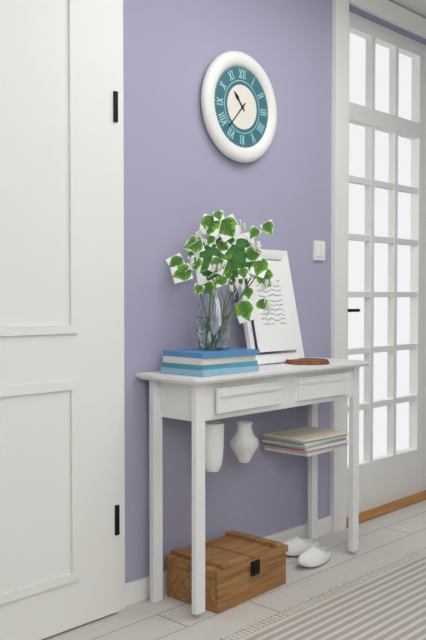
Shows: h=10 m=37
